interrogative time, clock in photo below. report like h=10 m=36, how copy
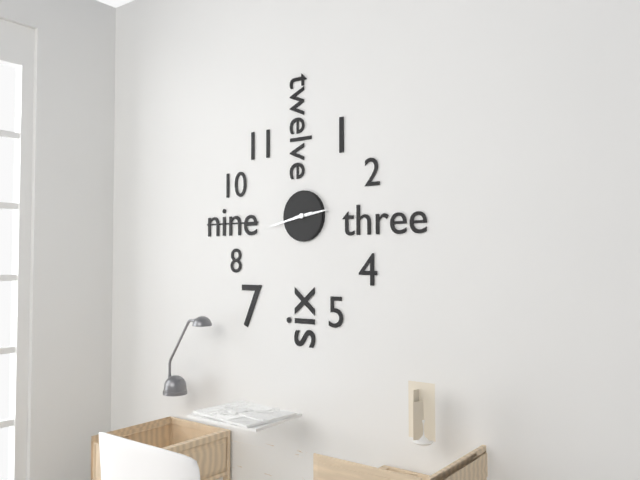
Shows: h=2 m=43
